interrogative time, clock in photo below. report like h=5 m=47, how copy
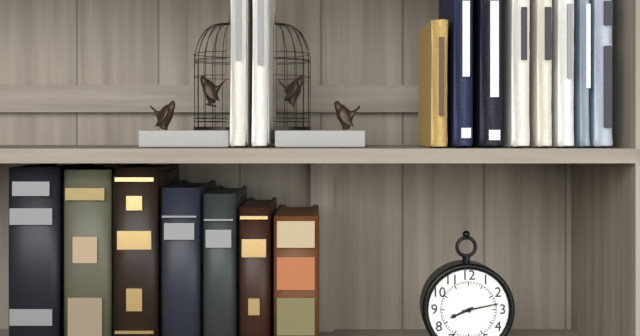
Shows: h=8 m=13
